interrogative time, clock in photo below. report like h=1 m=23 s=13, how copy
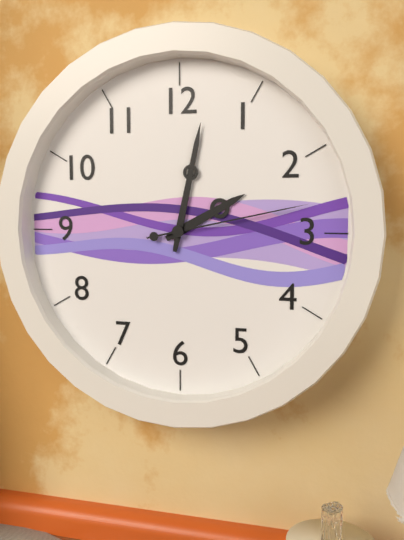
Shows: h=2 m=2 s=13
